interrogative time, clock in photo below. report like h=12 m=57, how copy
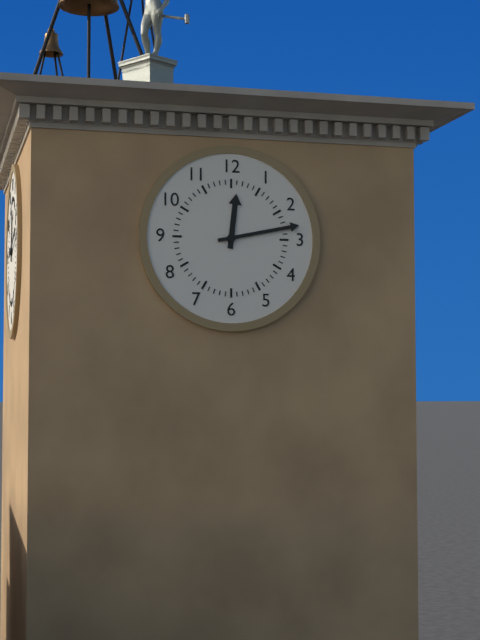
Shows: h=12 m=13
